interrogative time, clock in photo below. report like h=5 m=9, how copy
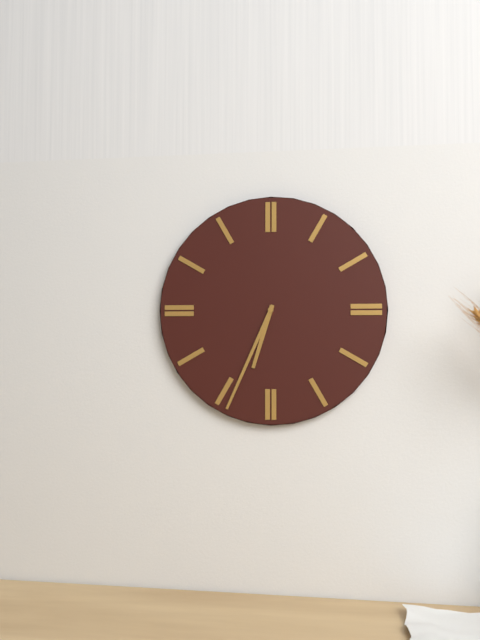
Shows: h=6 m=34
